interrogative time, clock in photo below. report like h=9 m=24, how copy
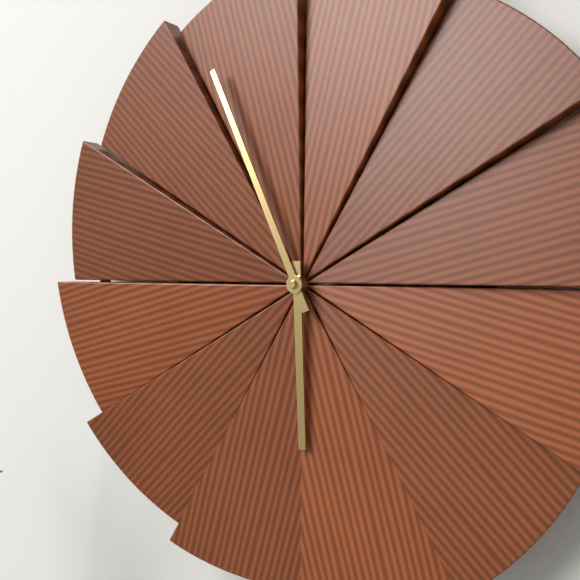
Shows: h=5 m=56
